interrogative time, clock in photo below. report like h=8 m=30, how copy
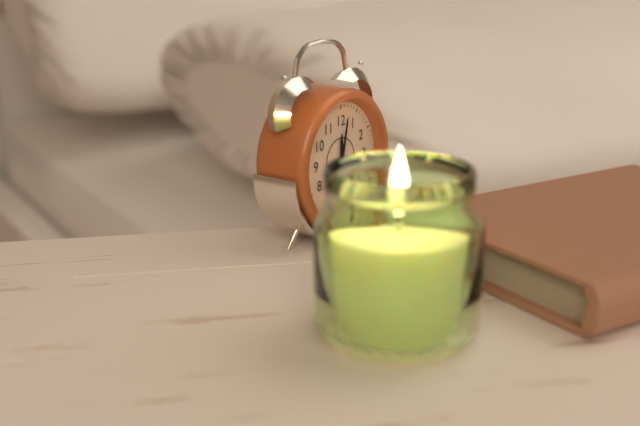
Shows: h=12 m=2
